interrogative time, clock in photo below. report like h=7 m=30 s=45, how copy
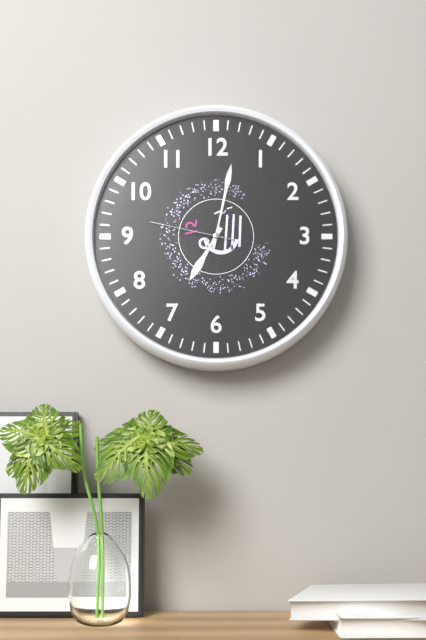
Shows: h=7 m=2 s=47
